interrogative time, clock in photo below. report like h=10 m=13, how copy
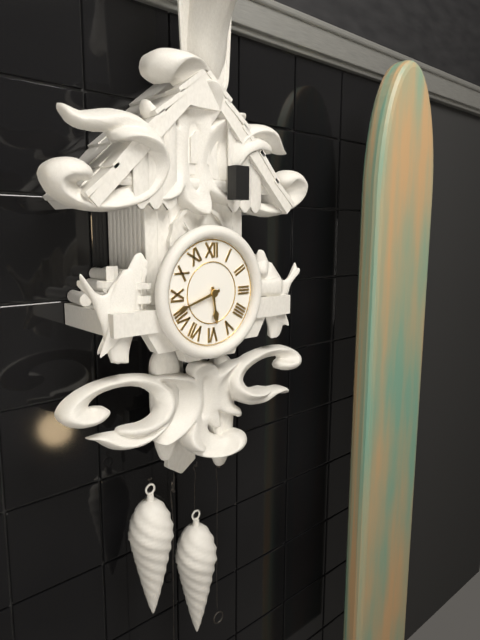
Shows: h=5 m=42
